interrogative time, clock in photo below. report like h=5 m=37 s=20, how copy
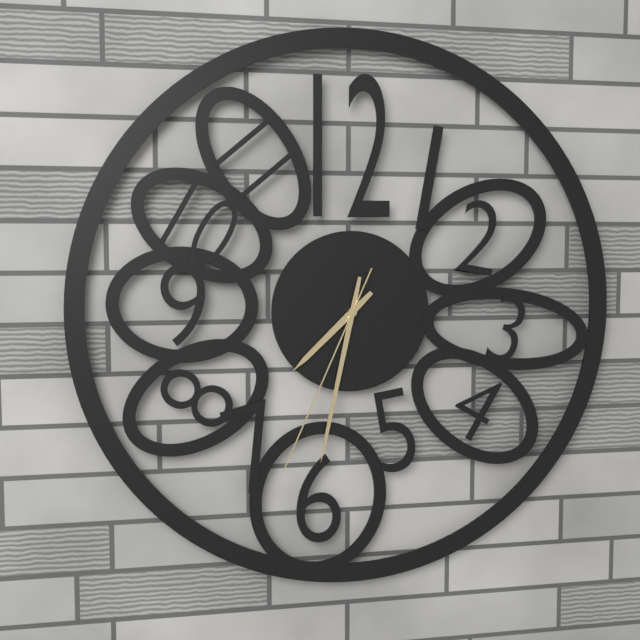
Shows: h=7 m=32 s=34
